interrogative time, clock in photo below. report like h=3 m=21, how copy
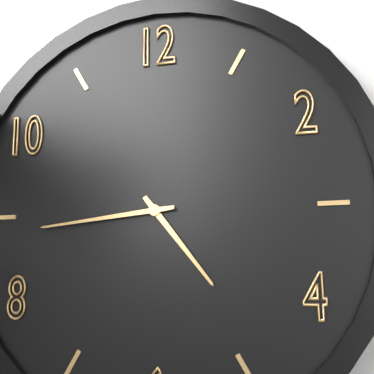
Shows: h=4 m=44
